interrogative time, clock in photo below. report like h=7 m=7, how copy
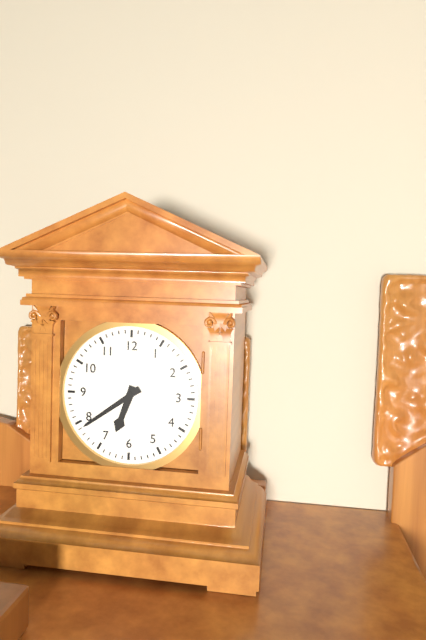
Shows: h=6 m=39
